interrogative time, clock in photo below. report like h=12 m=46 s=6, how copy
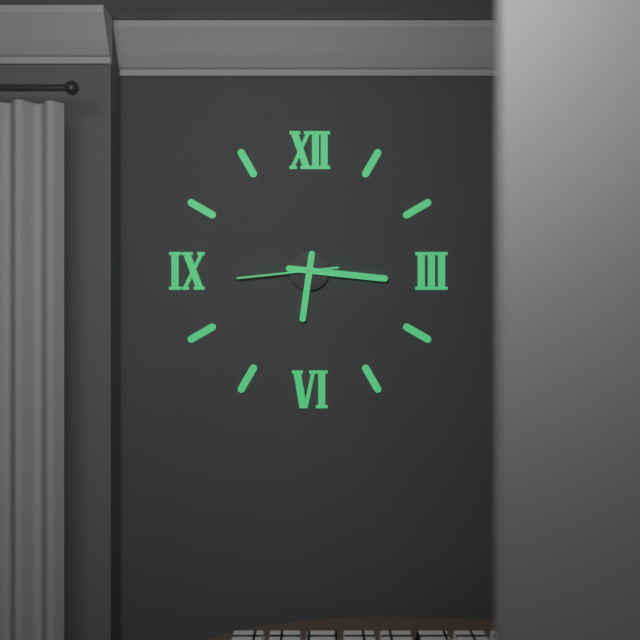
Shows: h=6 m=16 s=44
